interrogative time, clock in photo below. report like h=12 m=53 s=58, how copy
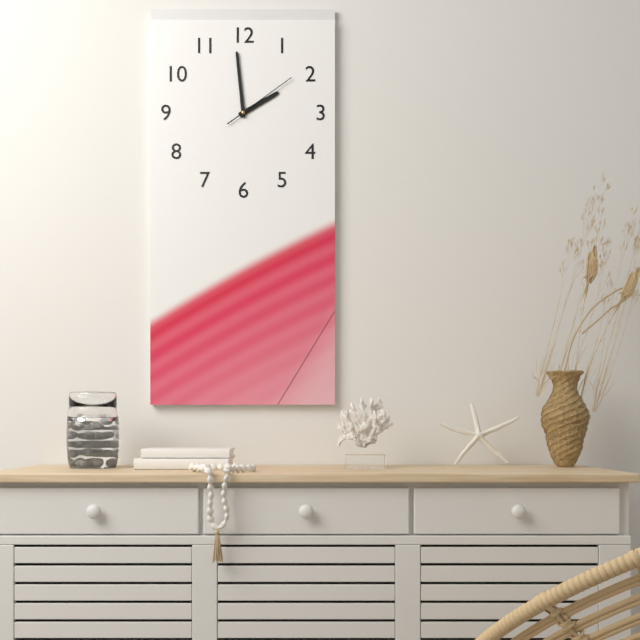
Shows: h=1 m=59 s=9
